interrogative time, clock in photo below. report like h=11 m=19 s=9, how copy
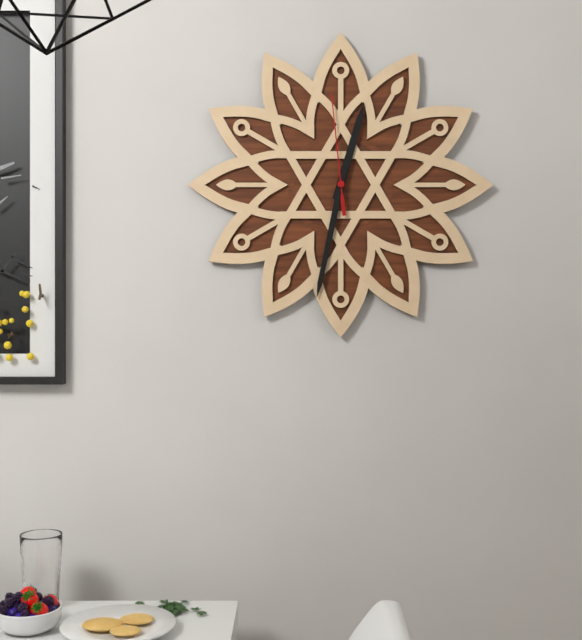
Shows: h=12 m=32 s=59
